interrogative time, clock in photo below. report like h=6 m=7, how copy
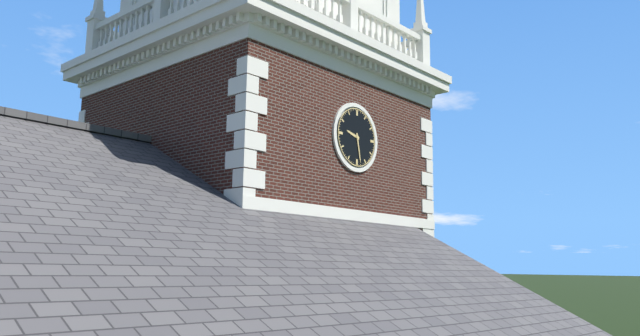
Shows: h=9 m=28
